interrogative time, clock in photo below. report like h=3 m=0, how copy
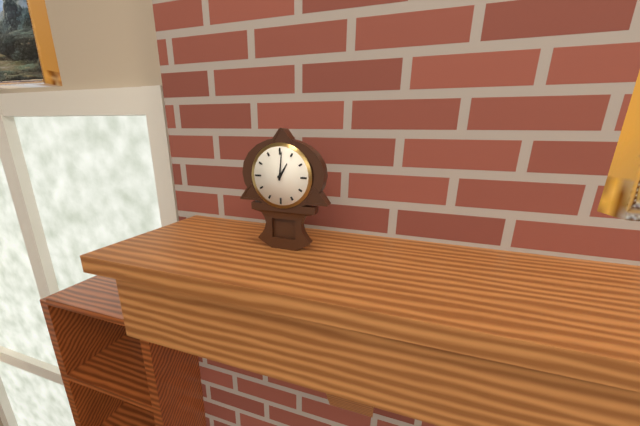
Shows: h=1 m=1
